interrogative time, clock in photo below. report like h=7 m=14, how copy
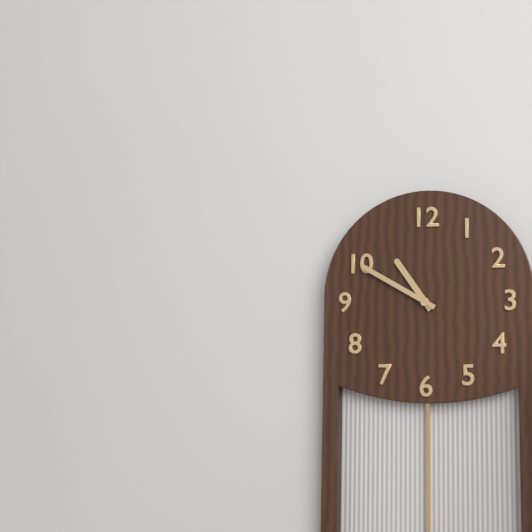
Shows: h=10 m=50
